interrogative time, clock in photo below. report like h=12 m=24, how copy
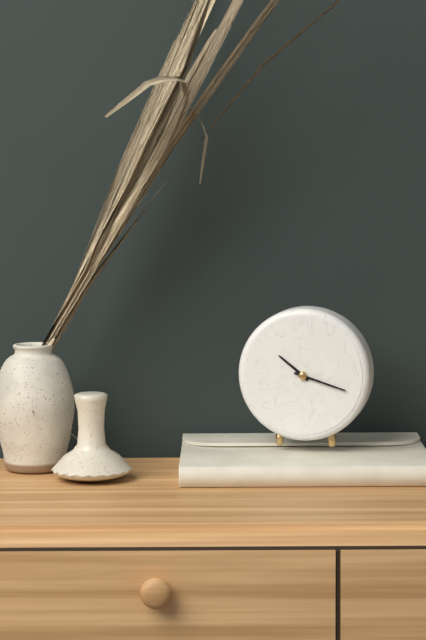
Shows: h=10 m=18
